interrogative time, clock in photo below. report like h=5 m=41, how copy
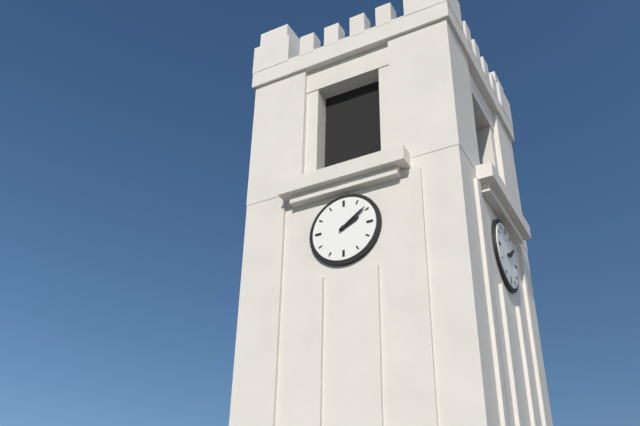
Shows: h=2 m=9
